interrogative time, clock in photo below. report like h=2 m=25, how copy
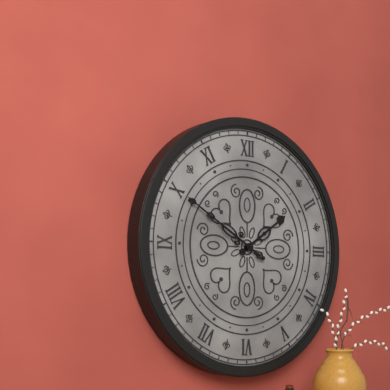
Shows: h=1 m=50
